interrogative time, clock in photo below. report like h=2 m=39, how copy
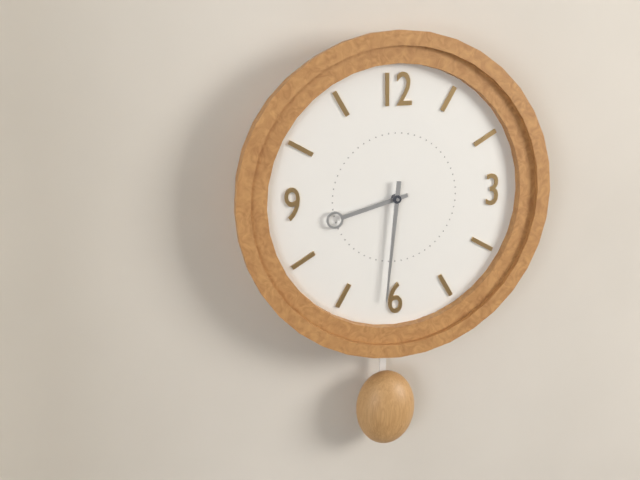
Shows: h=8 m=31
